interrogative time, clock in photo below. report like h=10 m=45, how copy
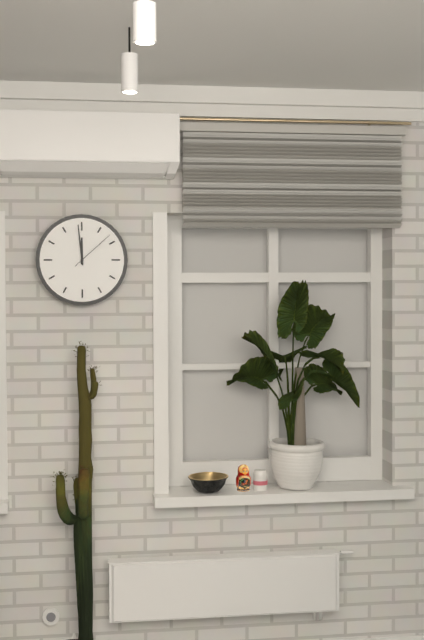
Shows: h=11 m=59
